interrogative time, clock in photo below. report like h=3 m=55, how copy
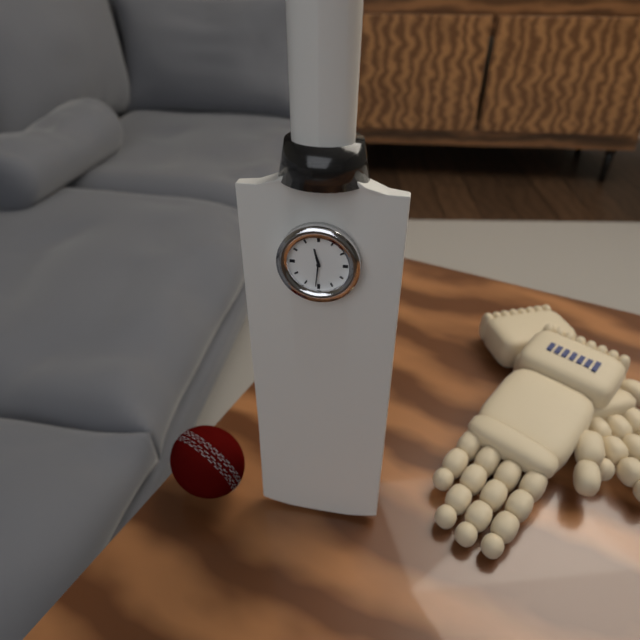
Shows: h=11 m=31
